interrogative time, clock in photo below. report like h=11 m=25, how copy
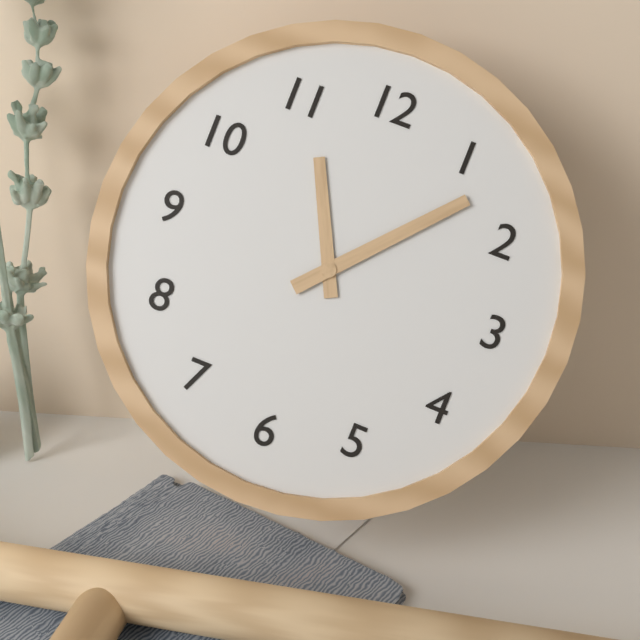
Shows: h=11 m=7
